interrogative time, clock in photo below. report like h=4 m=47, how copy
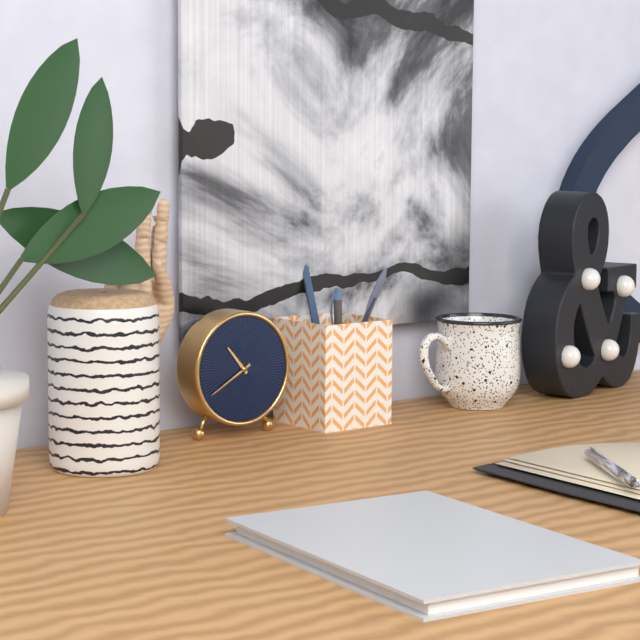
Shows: h=10 m=40
